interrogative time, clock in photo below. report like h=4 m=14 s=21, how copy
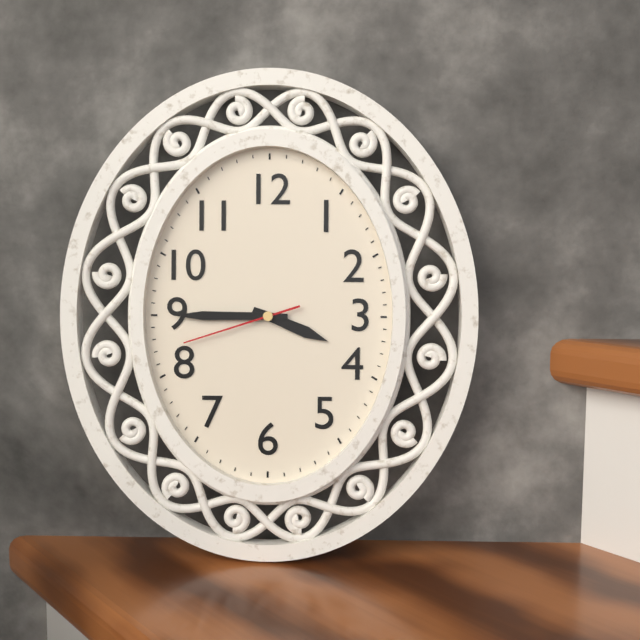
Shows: h=3 m=45 s=42
